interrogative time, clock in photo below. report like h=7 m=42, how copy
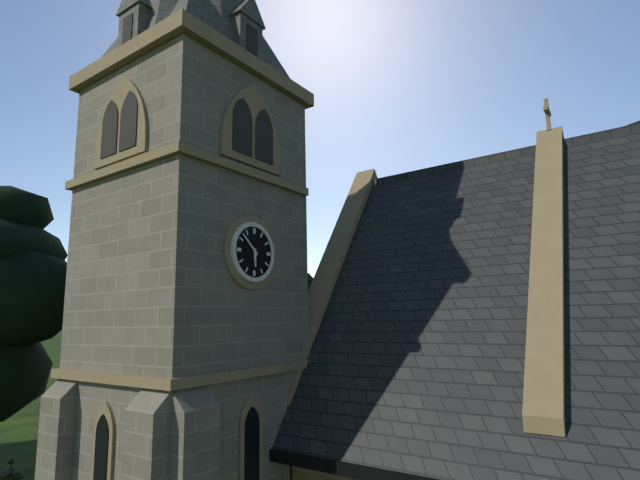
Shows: h=5 m=52
